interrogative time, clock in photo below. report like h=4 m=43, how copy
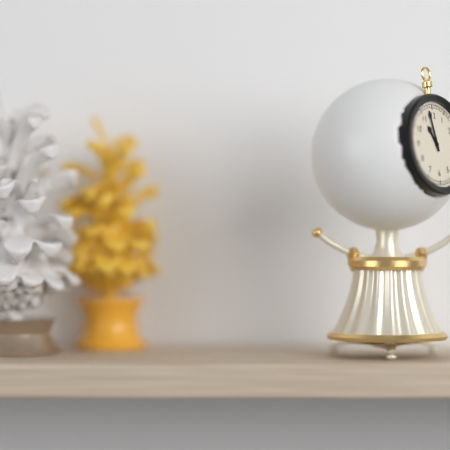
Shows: h=10 m=58
